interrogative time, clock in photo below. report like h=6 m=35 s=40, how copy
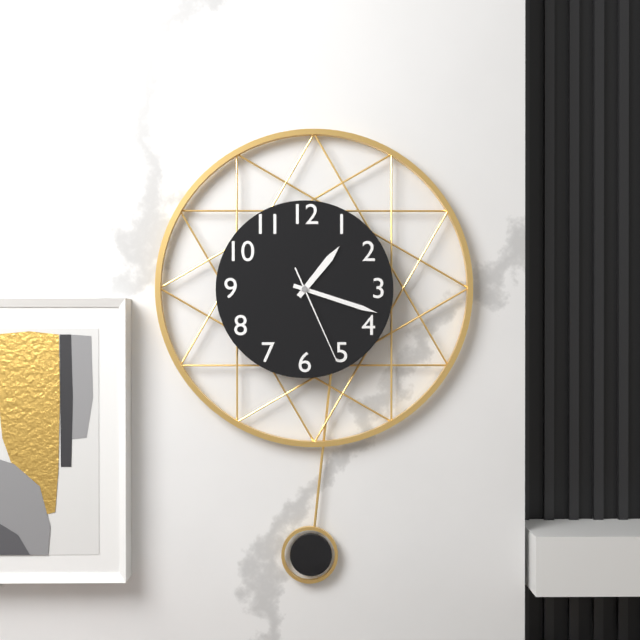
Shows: h=1 m=18 s=26
